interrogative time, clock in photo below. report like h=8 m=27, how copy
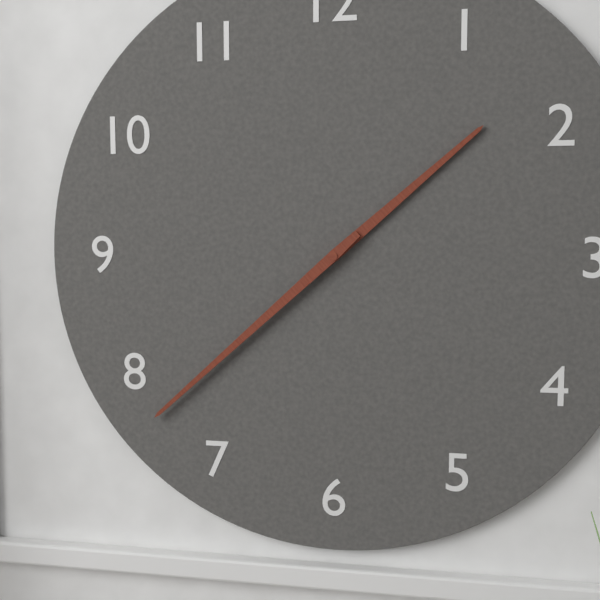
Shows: h=1 m=38
